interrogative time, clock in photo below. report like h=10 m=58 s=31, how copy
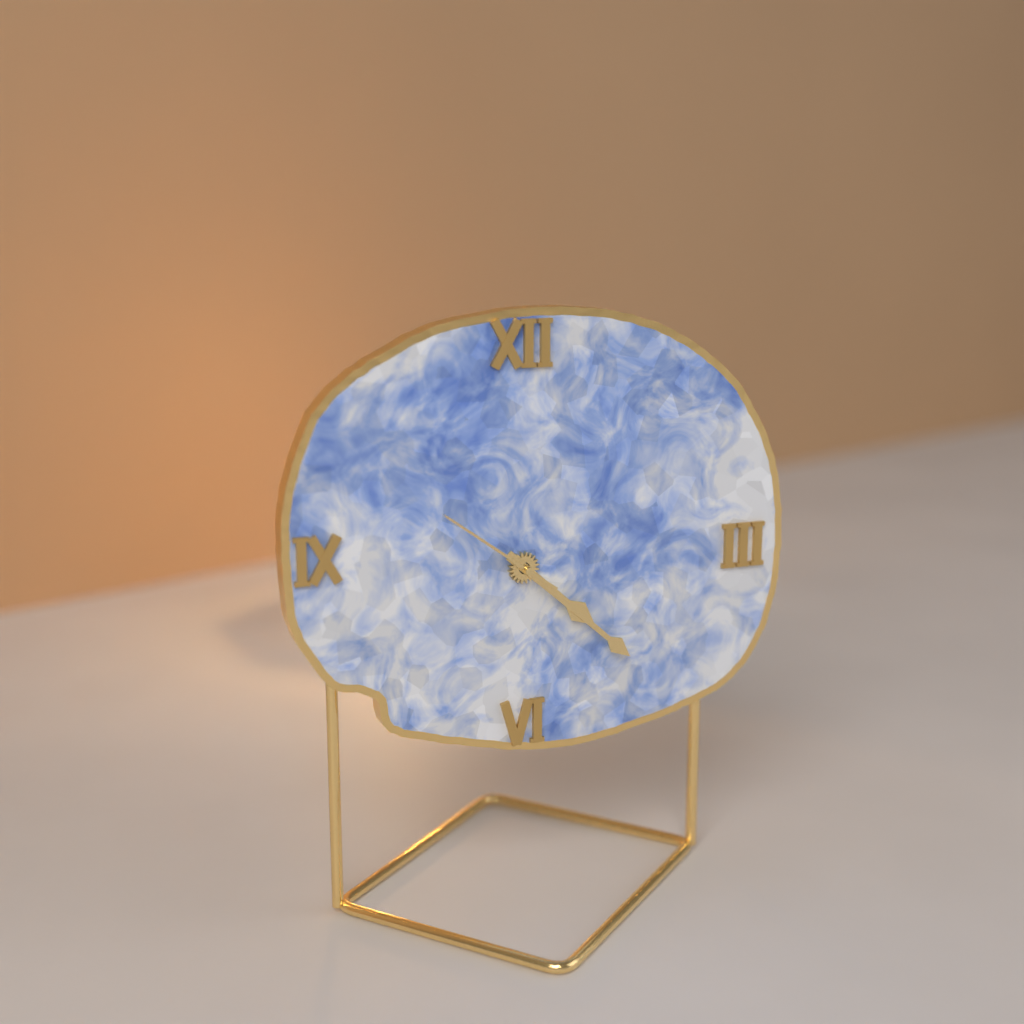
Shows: h=4 m=22 s=51
